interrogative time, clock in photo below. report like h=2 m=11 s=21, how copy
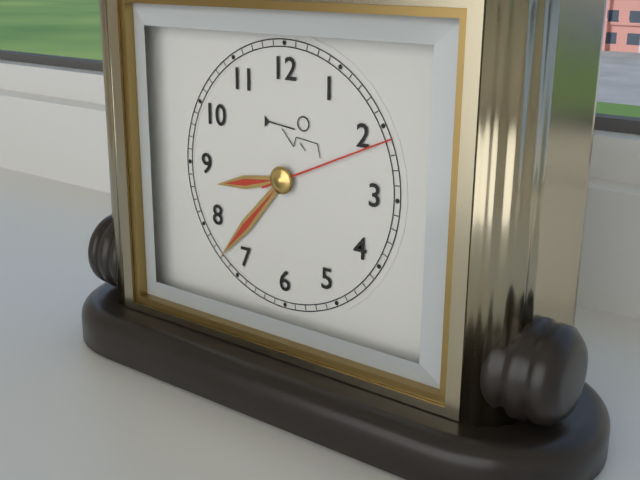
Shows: h=8 m=37 s=11
